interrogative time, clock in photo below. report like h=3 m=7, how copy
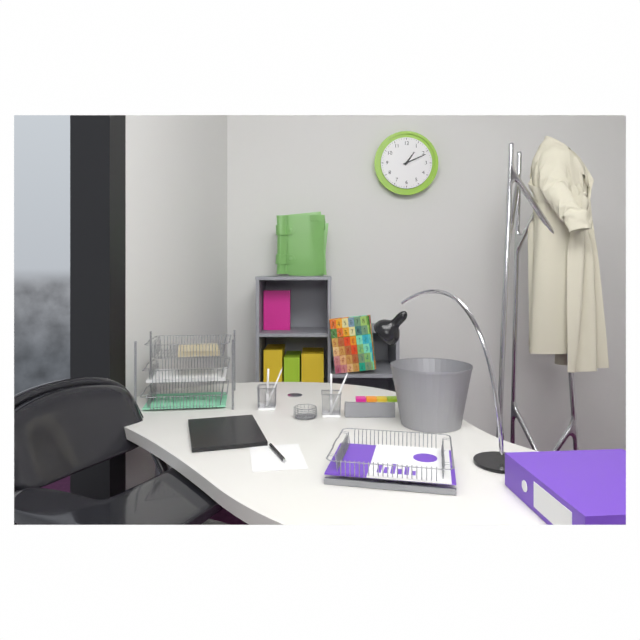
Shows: h=1 m=11
